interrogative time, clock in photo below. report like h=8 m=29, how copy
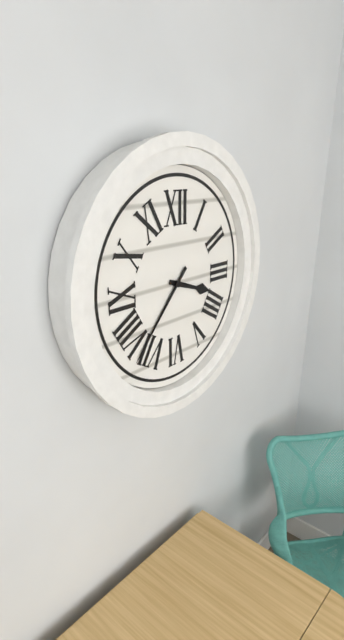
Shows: h=3 m=37
